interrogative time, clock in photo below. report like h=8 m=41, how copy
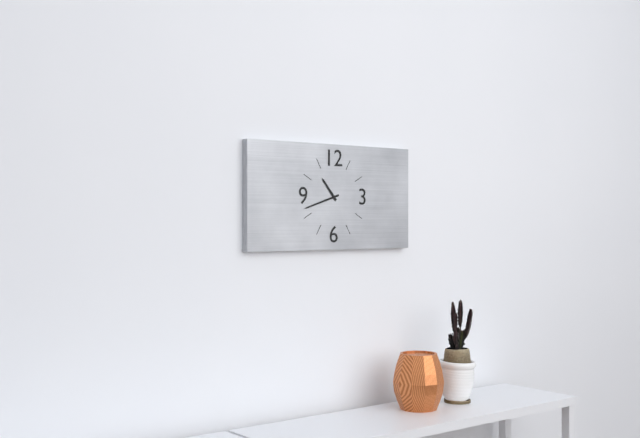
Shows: h=10 m=42
